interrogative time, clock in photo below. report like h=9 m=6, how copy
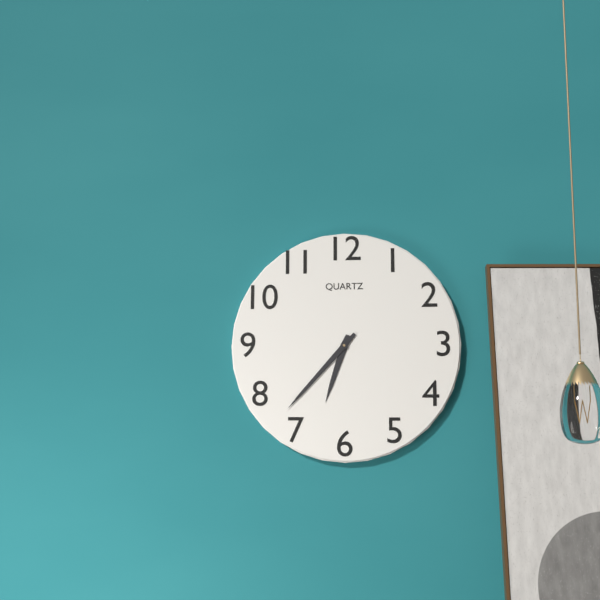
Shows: h=6 m=37
